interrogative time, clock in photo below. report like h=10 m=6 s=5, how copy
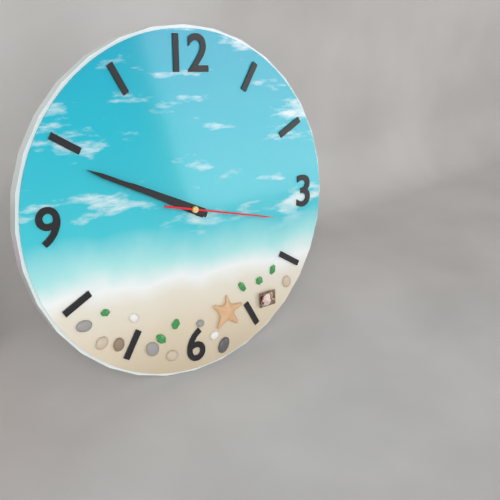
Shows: h=9 m=49 s=17
